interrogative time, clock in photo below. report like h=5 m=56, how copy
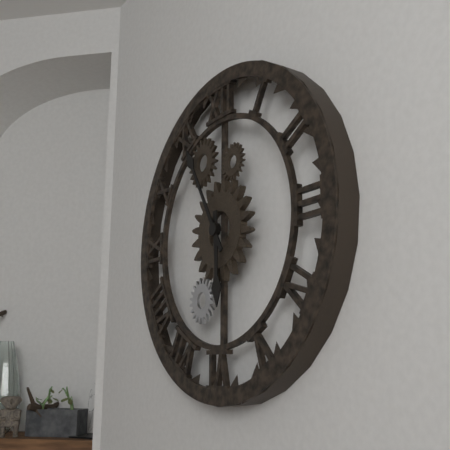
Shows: h=5 m=55
